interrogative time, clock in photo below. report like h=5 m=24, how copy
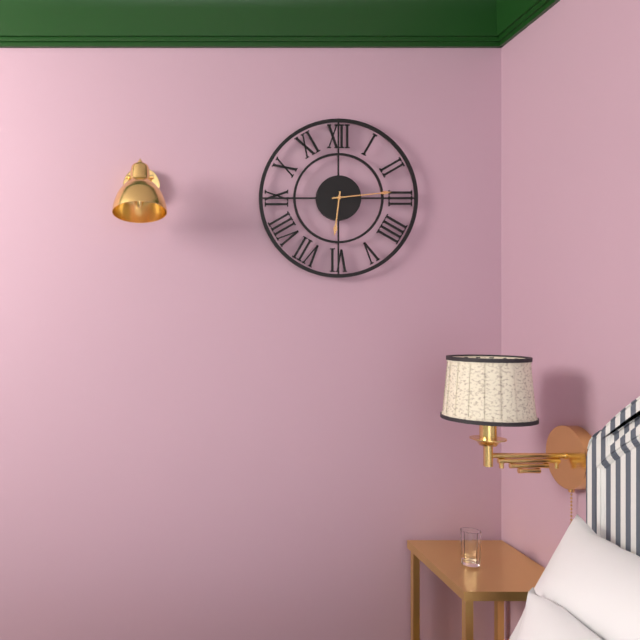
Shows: h=6 m=14
